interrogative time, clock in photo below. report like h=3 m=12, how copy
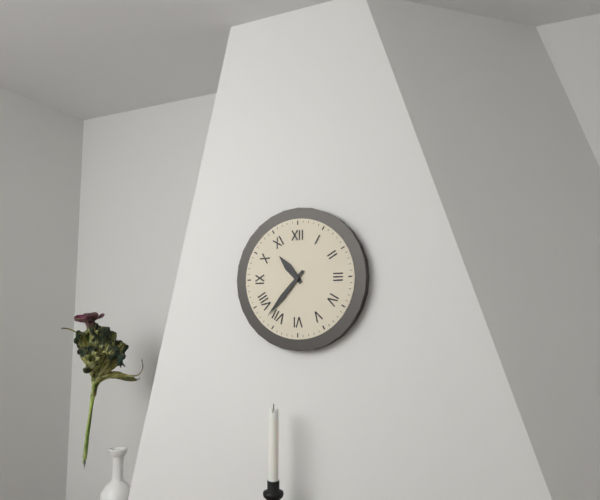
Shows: h=10 m=37
